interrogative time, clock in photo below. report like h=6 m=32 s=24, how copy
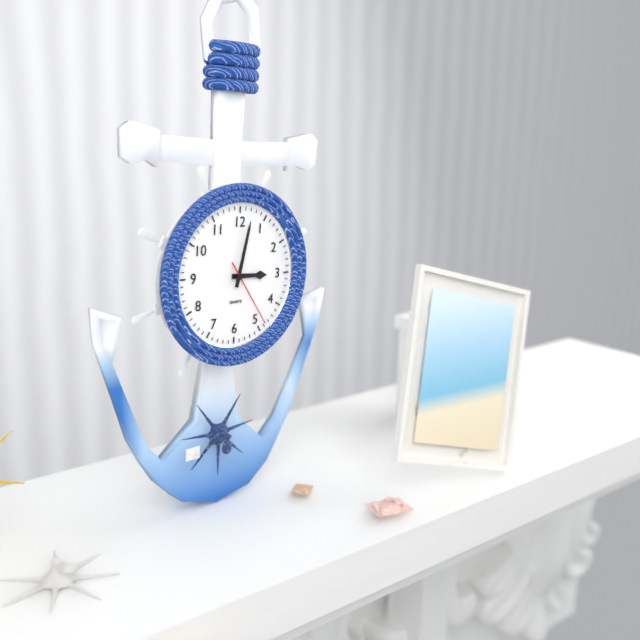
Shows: h=3 m=2 s=24
